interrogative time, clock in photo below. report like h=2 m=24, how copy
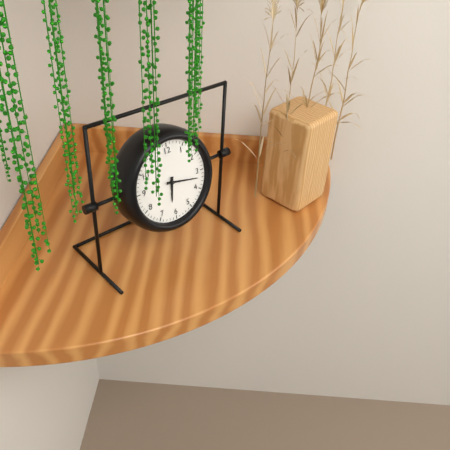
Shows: h=6 m=17
